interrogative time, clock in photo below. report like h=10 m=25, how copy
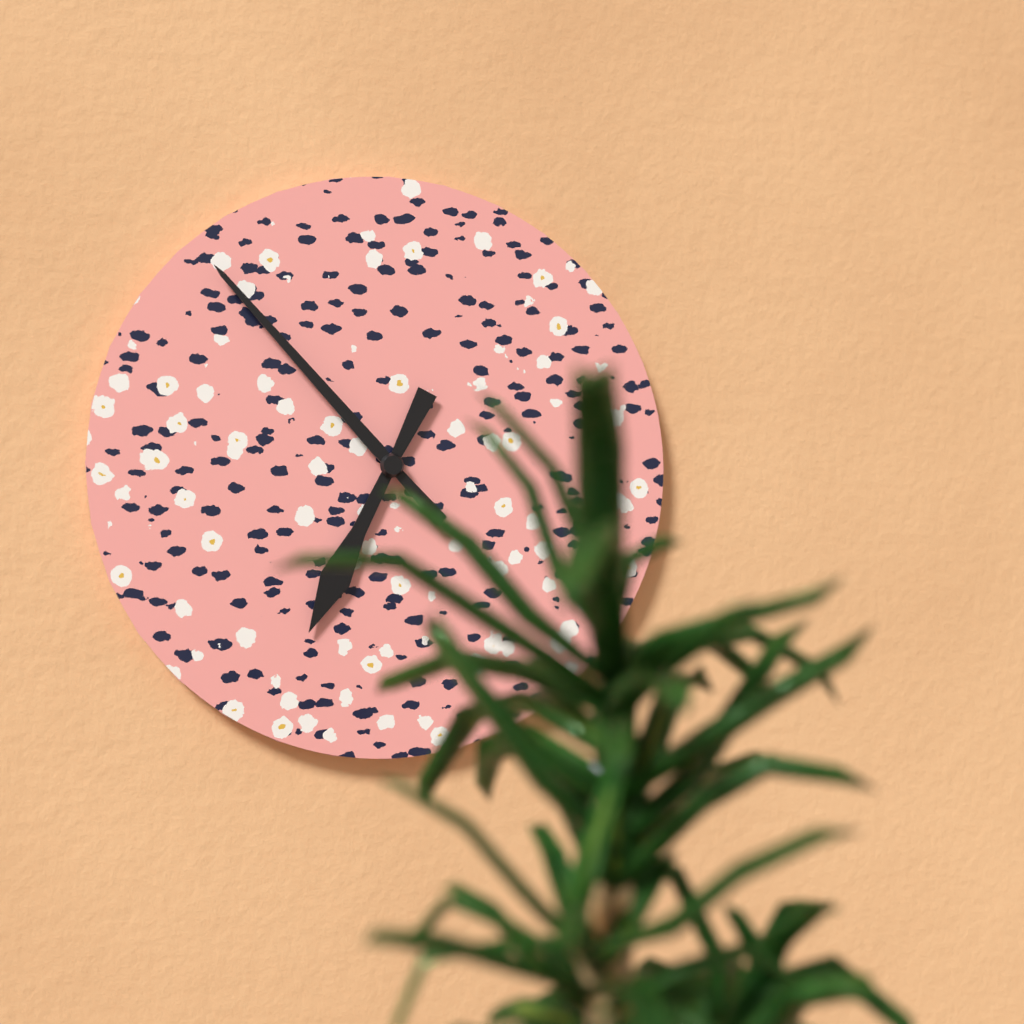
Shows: h=6 m=53
